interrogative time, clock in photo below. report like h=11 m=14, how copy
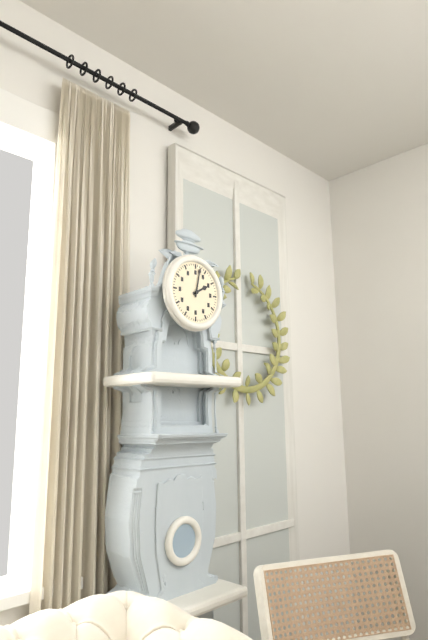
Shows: h=2 m=2
